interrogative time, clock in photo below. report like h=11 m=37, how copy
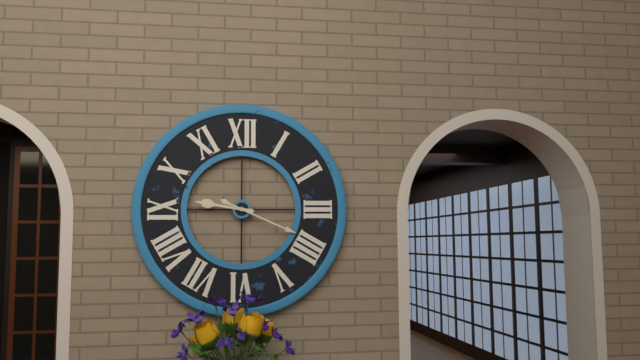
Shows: h=9 m=19
